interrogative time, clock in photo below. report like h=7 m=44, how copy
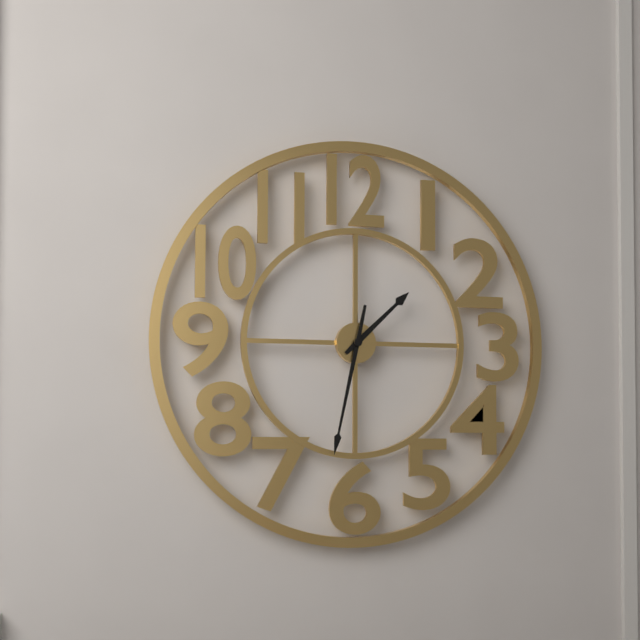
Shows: h=1 m=32
